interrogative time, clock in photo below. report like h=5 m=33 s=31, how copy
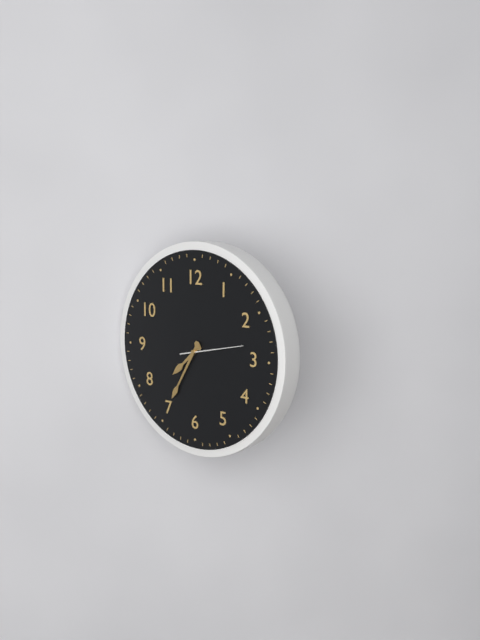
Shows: h=7 m=35 s=13
